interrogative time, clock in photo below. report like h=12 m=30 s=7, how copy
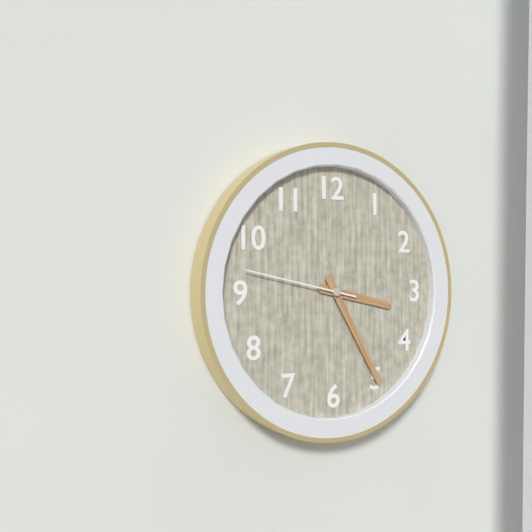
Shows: h=3 m=25 s=47
